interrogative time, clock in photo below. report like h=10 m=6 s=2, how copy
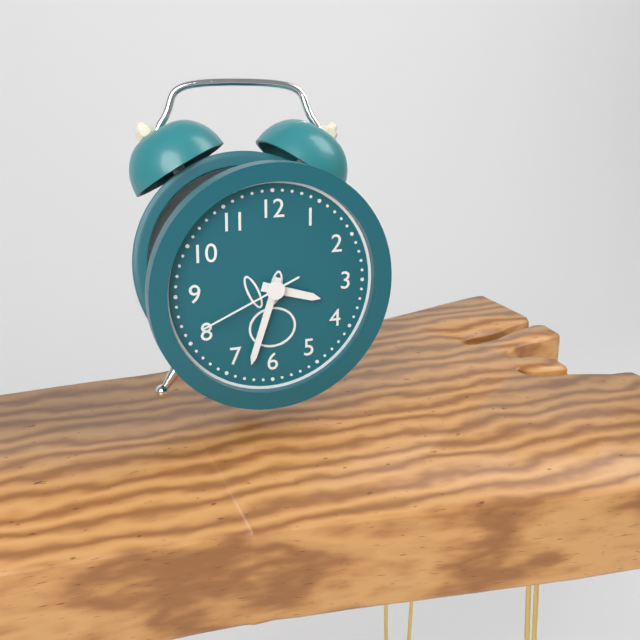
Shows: h=3 m=33 s=41
